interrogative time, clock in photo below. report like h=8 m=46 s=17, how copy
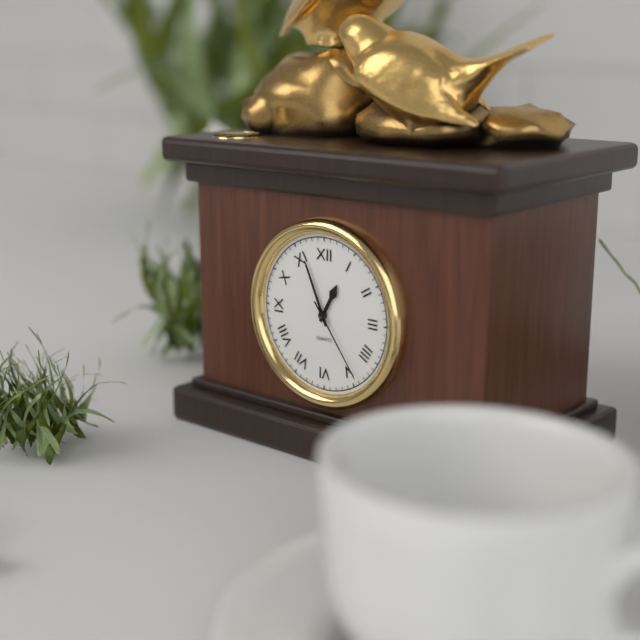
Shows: h=12 m=56 s=24
